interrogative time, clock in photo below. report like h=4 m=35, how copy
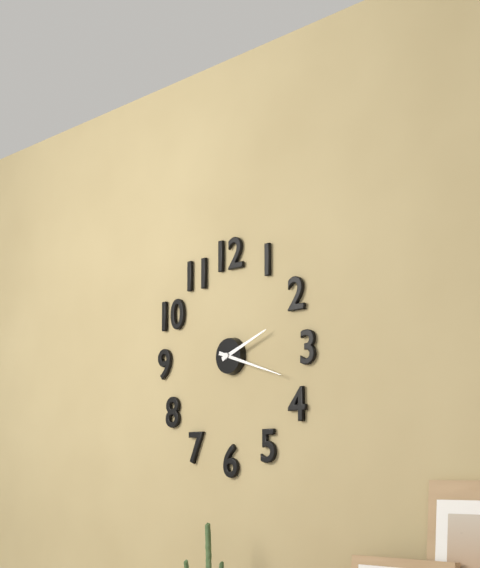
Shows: h=2 m=18
